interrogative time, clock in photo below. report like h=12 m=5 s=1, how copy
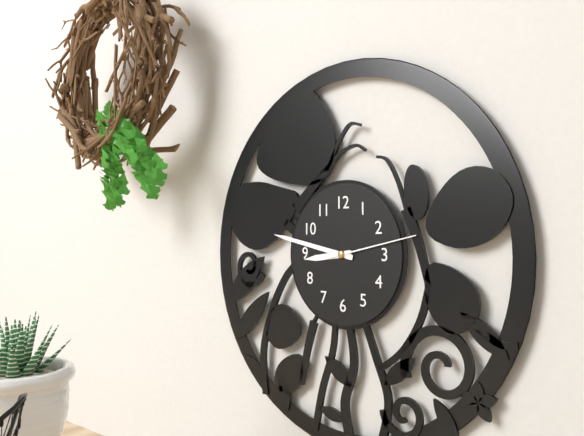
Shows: h=8 m=47 s=13
